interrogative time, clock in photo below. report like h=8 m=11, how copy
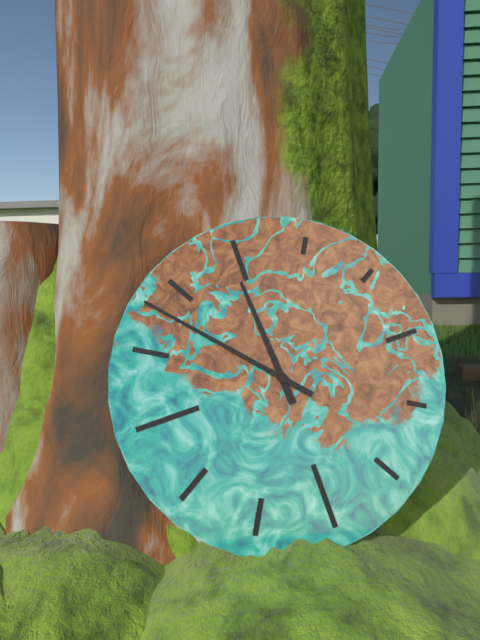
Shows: h=11 m=53
